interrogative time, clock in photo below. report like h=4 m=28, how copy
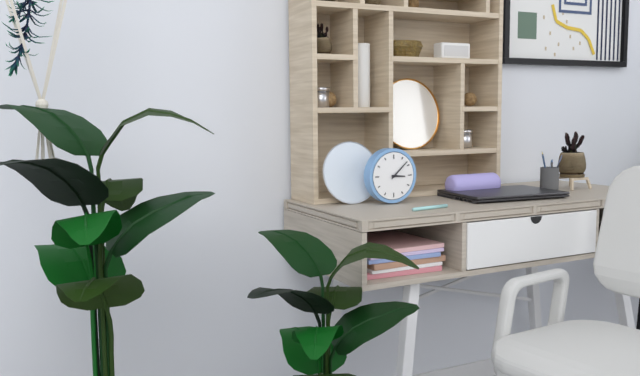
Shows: h=3 m=8
